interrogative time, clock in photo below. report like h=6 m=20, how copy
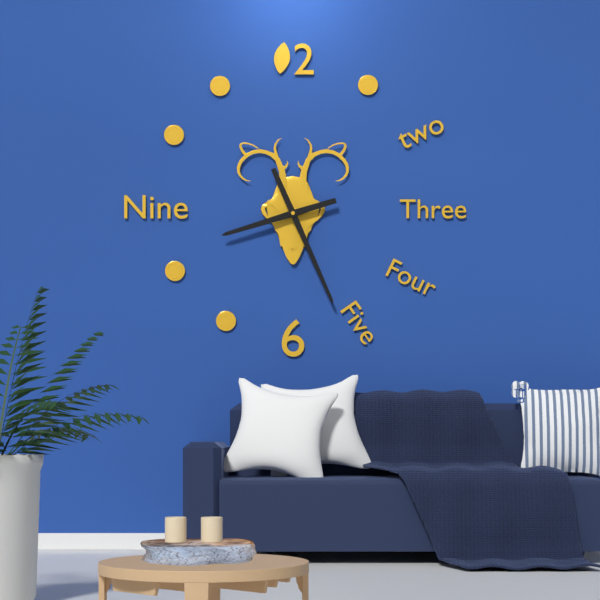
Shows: h=8 m=26
